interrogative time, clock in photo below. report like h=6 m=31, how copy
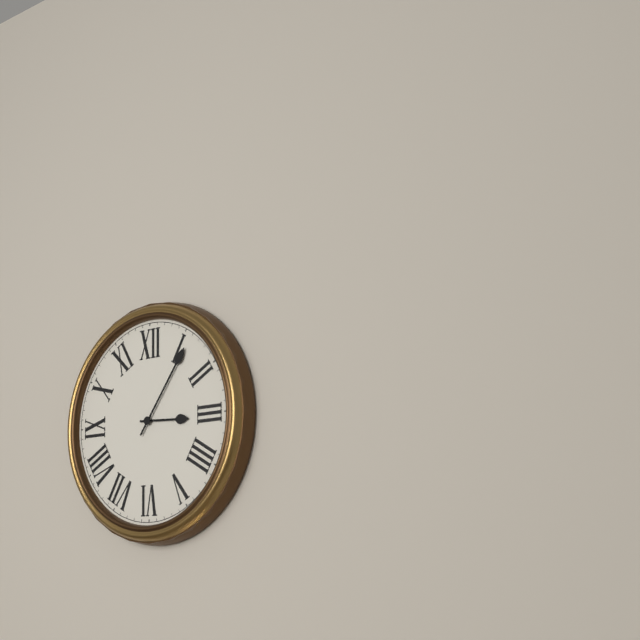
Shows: h=3 m=6
